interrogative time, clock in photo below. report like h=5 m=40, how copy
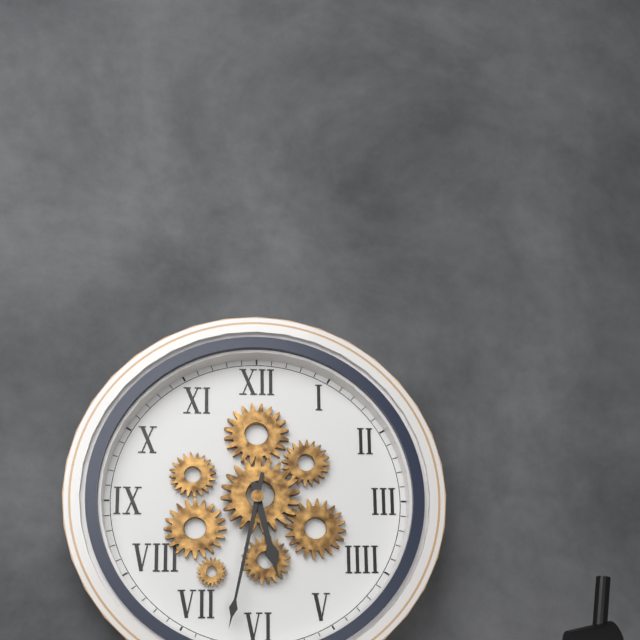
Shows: h=5 m=32
